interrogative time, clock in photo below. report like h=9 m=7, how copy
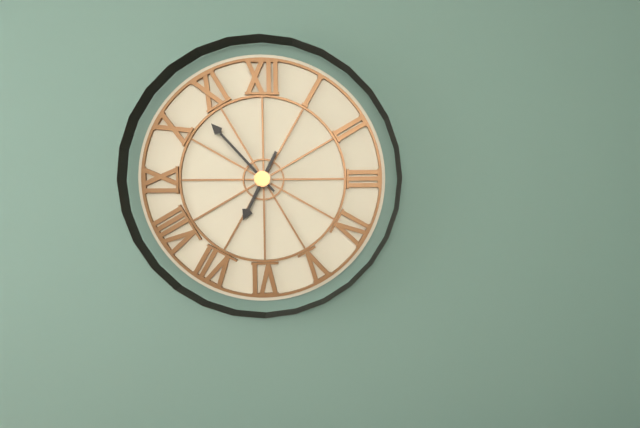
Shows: h=6 m=53
